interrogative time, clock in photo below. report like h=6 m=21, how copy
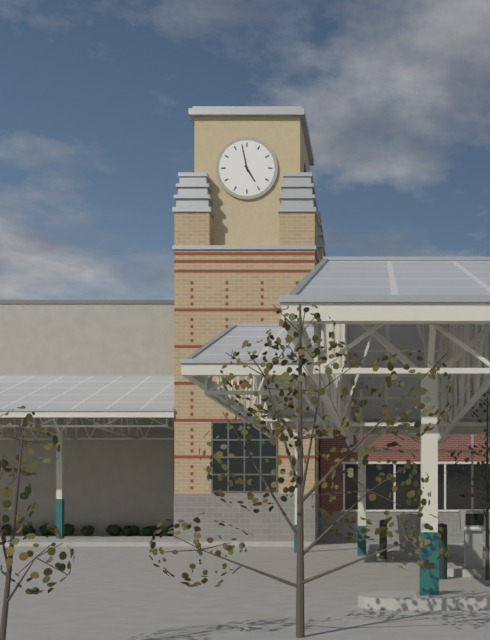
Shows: h=4 m=58
